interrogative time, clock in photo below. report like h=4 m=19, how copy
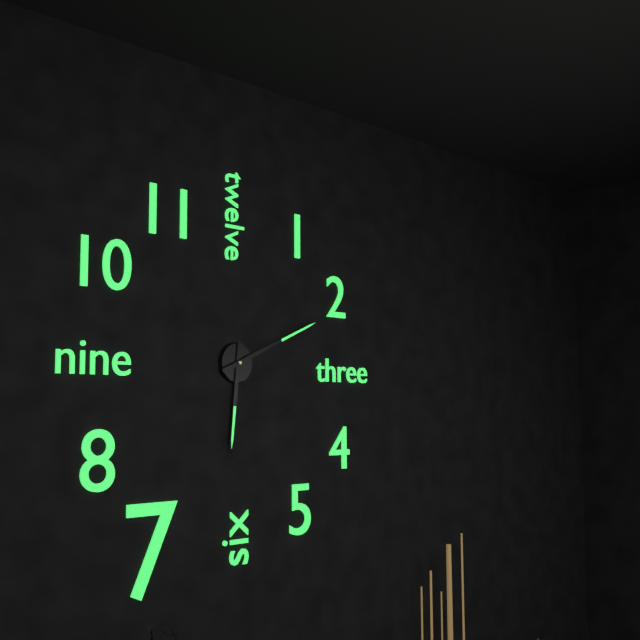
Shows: h=6 m=11
